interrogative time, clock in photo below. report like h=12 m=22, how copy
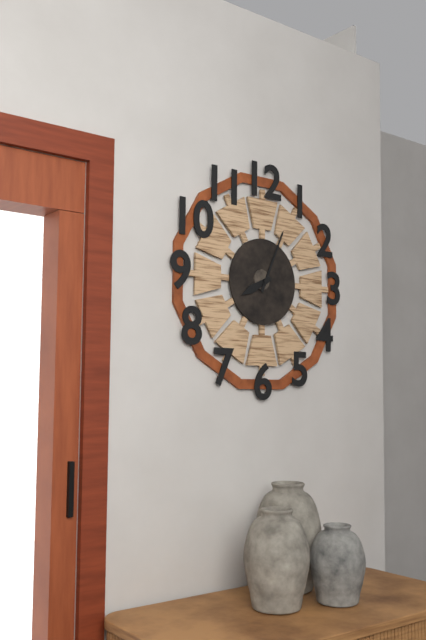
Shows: h=8 m=4
